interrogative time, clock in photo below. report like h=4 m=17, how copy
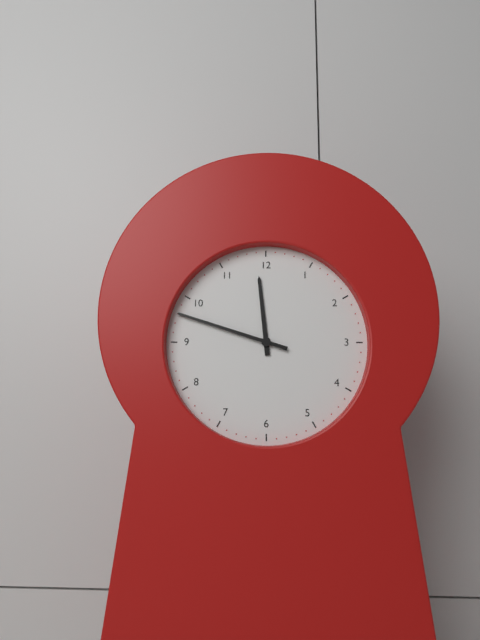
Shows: h=11 m=48
